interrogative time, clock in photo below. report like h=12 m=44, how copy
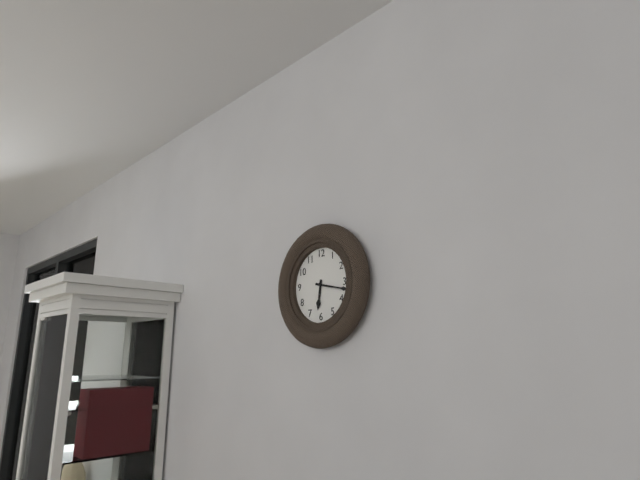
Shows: h=6 m=17
